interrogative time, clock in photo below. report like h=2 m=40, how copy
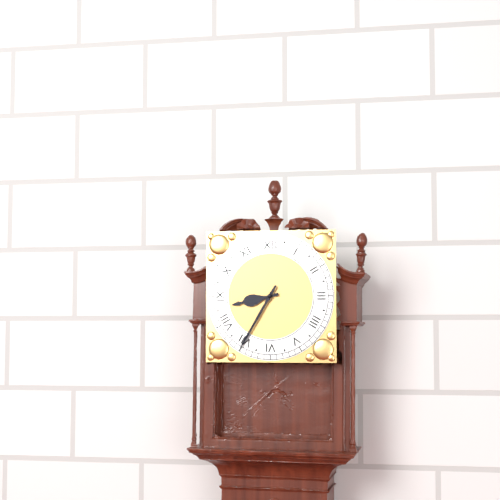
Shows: h=8 m=35
